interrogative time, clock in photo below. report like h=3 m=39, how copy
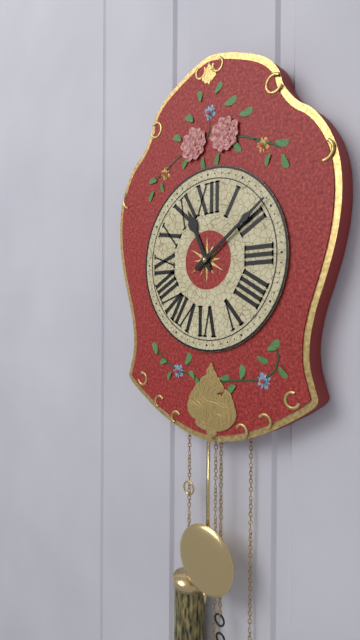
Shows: h=11 m=9
